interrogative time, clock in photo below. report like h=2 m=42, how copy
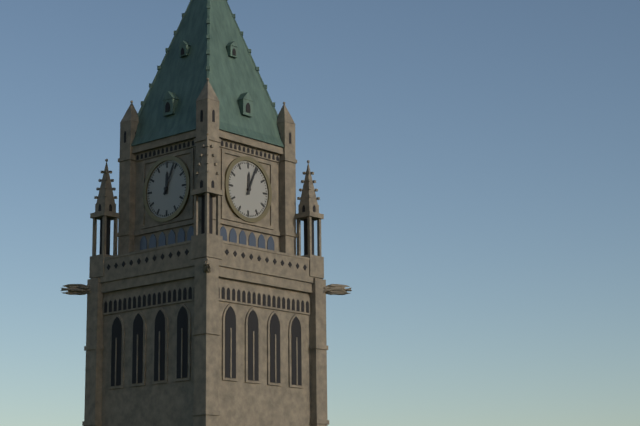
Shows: h=12 m=4
